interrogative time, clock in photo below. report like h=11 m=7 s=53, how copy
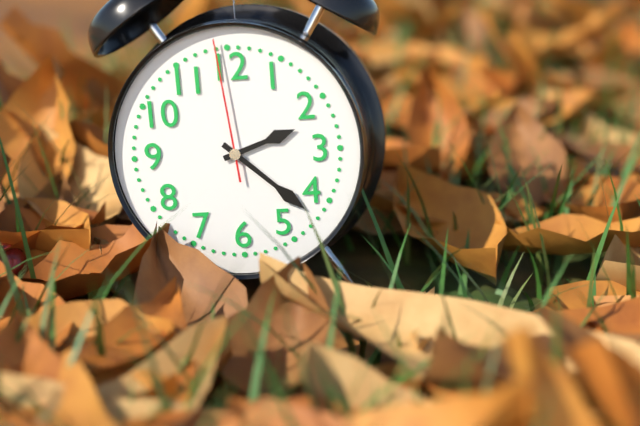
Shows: h=2 m=22 s=59
